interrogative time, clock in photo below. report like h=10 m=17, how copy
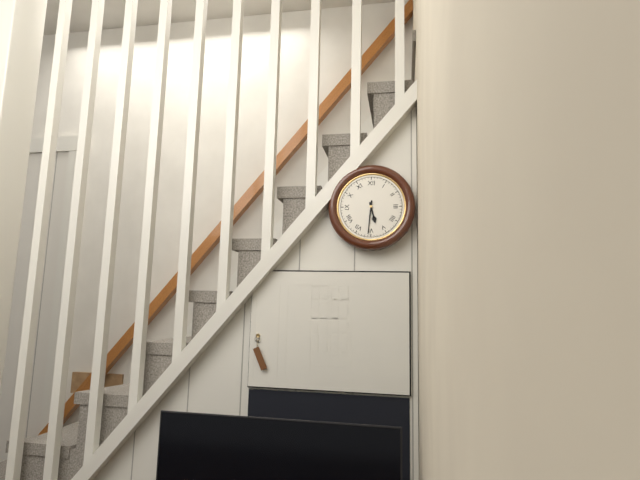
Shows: h=5 m=31
